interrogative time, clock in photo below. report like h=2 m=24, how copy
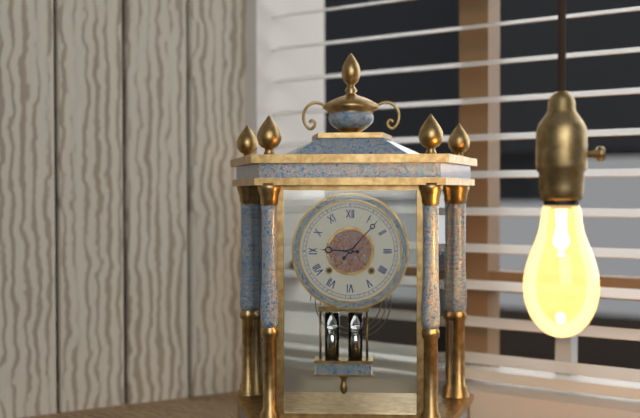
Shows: h=9 m=7
